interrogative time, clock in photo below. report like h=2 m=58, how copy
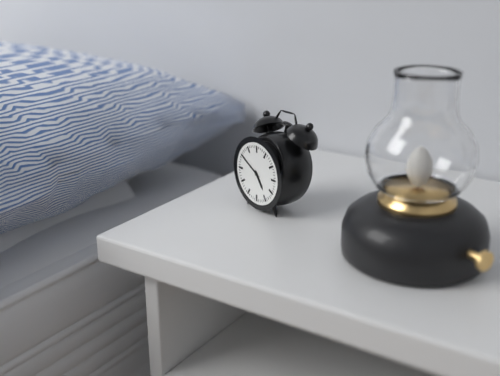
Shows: h=4 m=50
